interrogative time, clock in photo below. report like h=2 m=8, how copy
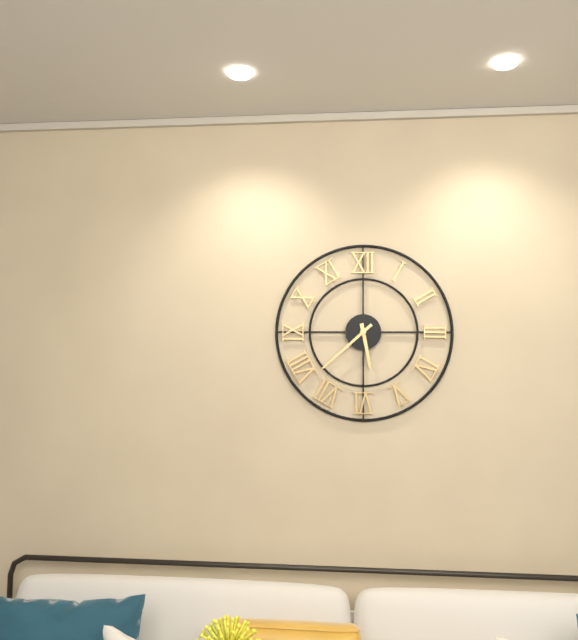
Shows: h=5 m=38
